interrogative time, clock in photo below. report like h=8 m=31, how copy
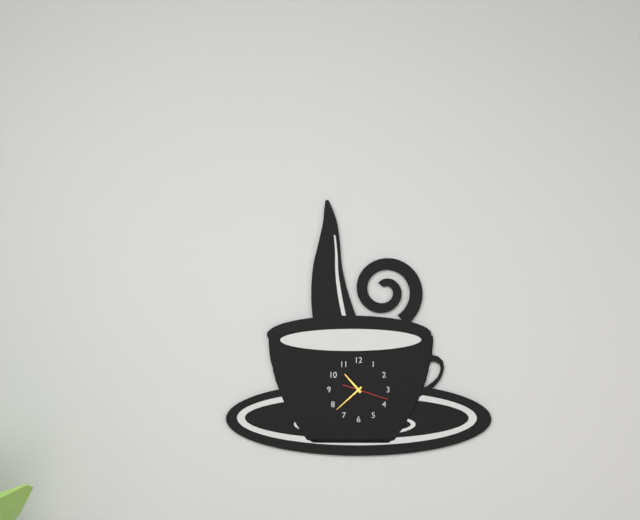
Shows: h=10 m=38
